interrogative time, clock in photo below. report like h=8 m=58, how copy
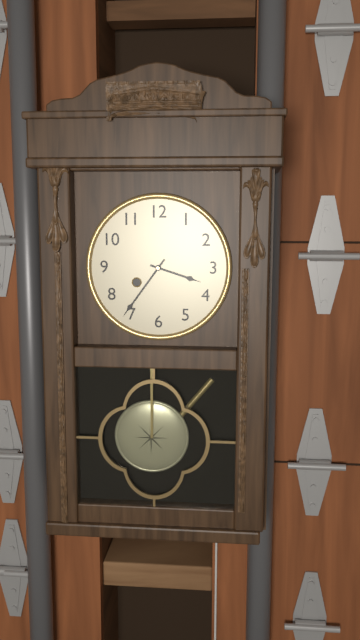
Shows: h=3 m=36
